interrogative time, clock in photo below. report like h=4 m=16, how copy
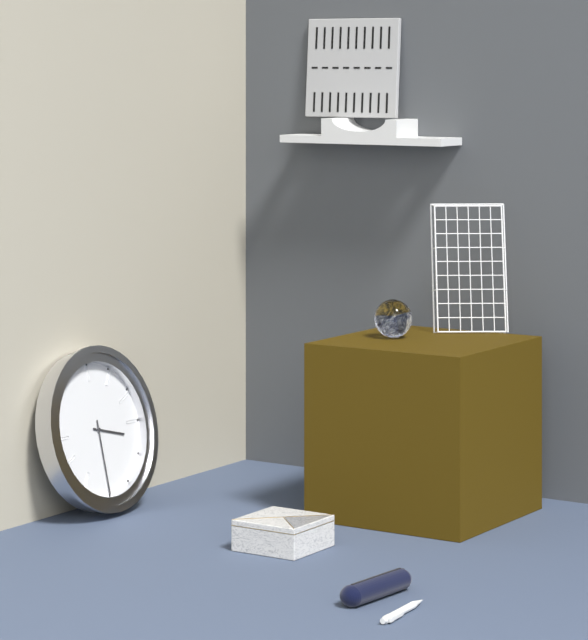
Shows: h=3 m=30
